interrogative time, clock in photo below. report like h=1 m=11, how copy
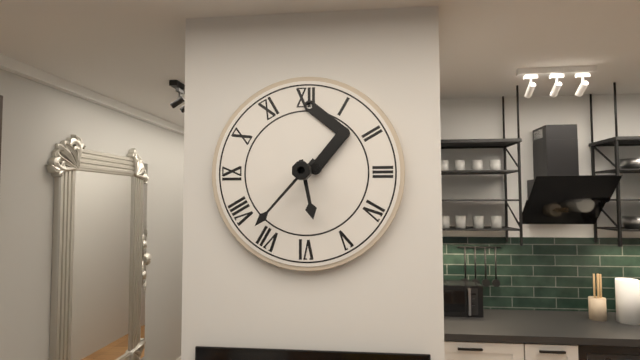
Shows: h=5 m=37
